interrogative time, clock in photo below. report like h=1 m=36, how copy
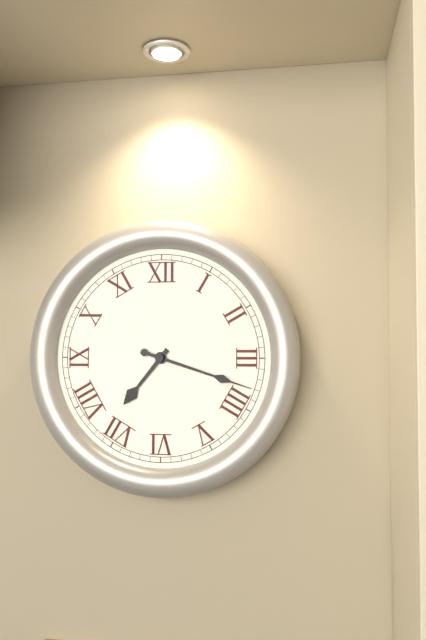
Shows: h=7 m=18
